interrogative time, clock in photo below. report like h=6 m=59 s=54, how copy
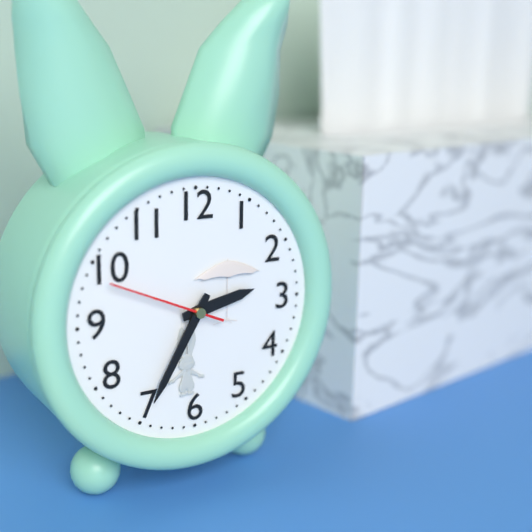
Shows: h=2 m=35 s=49
